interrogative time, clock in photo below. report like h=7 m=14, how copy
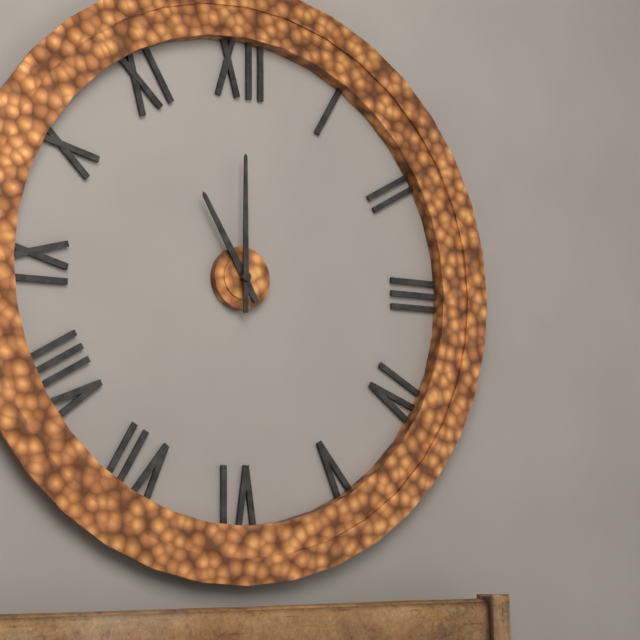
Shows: h=11 m=0
